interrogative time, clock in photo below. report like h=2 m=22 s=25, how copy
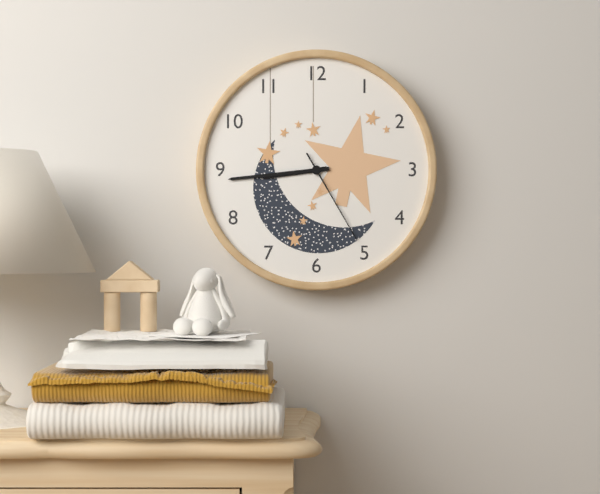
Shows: h=8 m=44 s=25
